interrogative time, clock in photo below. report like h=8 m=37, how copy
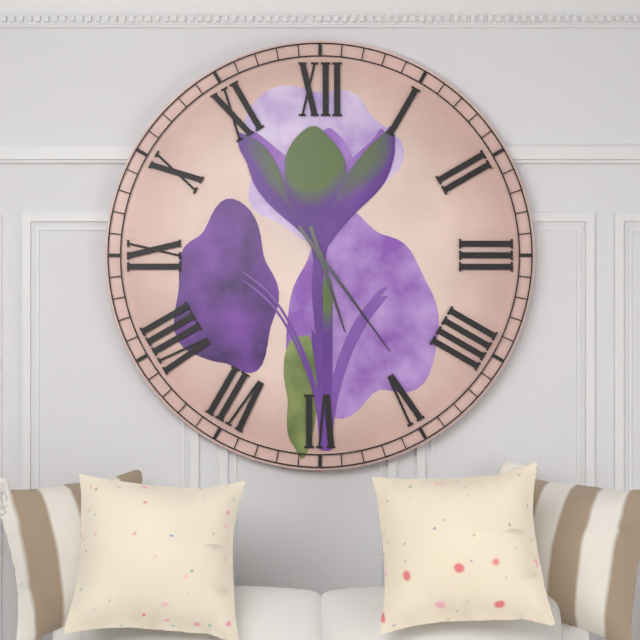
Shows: h=5 m=24
